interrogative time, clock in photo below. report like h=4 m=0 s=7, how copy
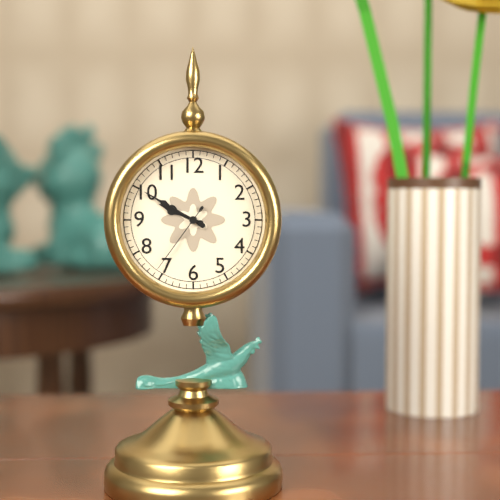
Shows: h=9 m=50 s=36
